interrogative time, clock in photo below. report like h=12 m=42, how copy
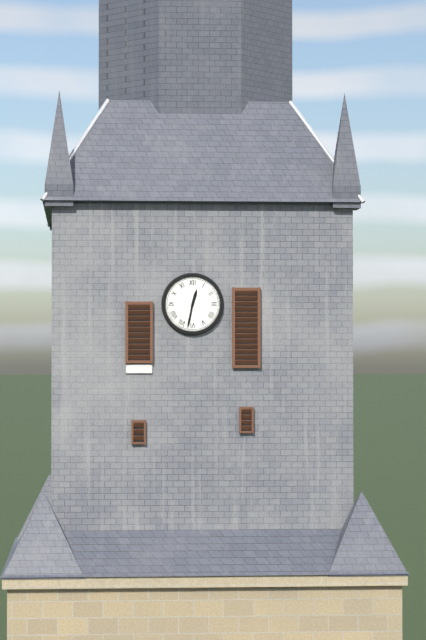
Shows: h=12 m=32
